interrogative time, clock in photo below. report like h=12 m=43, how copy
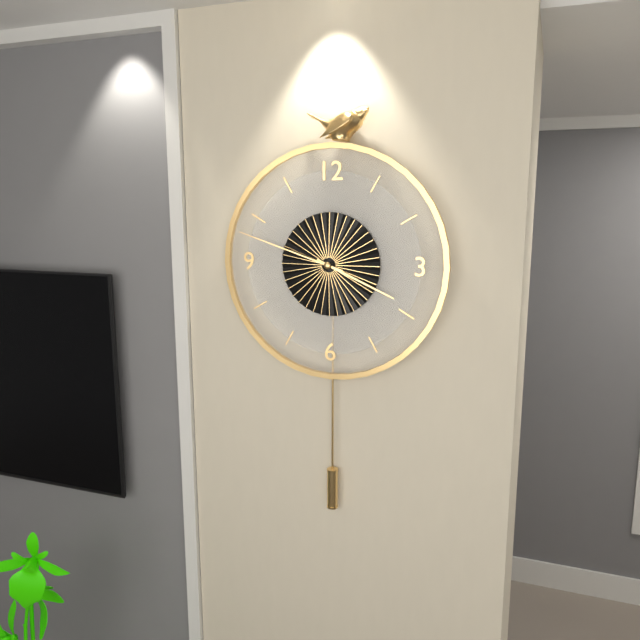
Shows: h=3 m=48
